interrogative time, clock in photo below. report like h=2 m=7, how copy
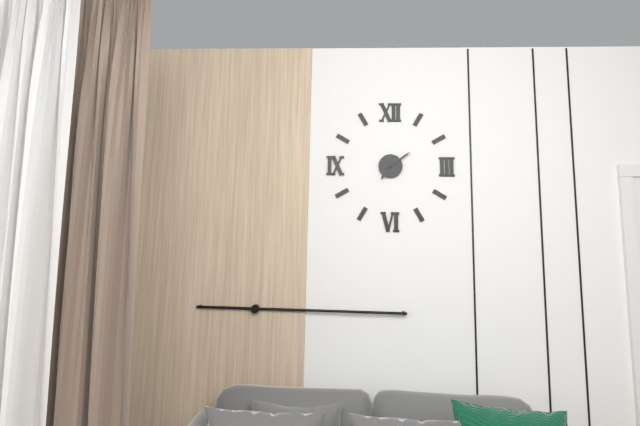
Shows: h=7 m=9
